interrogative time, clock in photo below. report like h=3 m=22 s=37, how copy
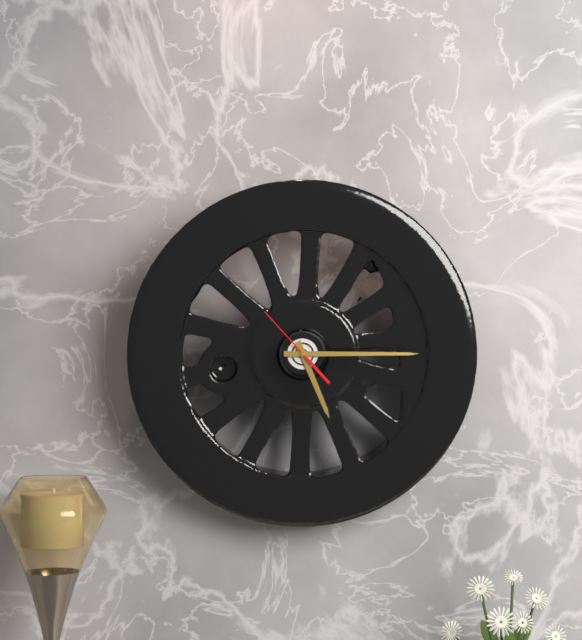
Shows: h=5 m=15 s=53
